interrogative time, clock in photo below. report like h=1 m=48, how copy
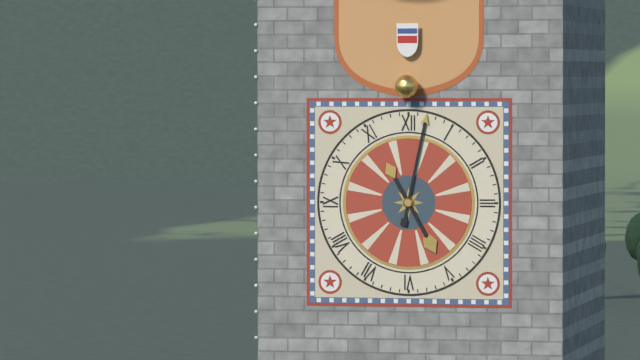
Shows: h=5 m=2
